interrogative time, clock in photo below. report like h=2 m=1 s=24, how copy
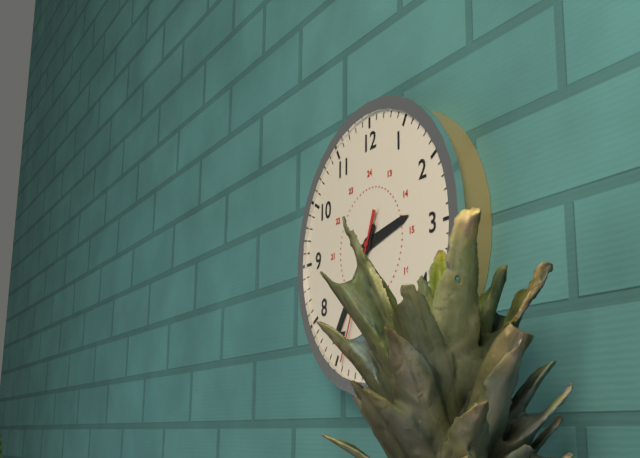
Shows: h=2 m=36 s=34
